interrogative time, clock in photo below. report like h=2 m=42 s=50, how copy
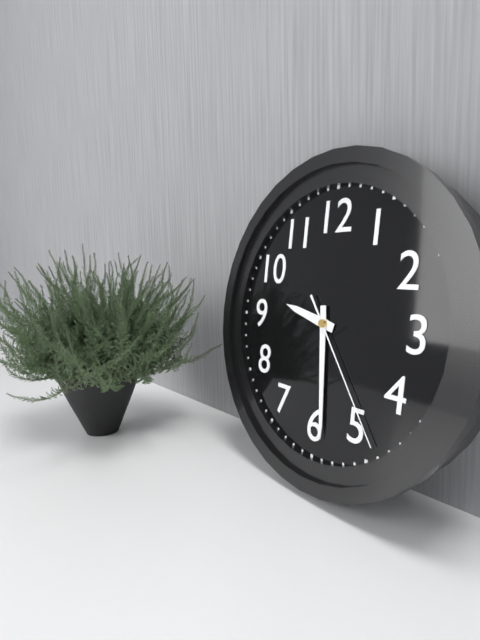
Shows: h=9 m=29 s=24
